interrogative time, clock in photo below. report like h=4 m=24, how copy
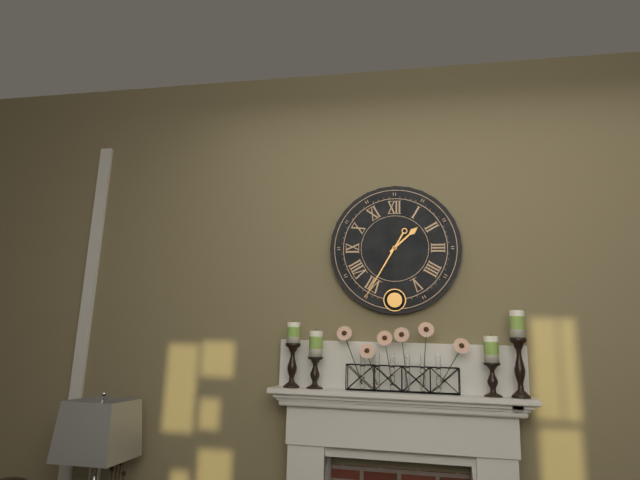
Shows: h=1 m=35
